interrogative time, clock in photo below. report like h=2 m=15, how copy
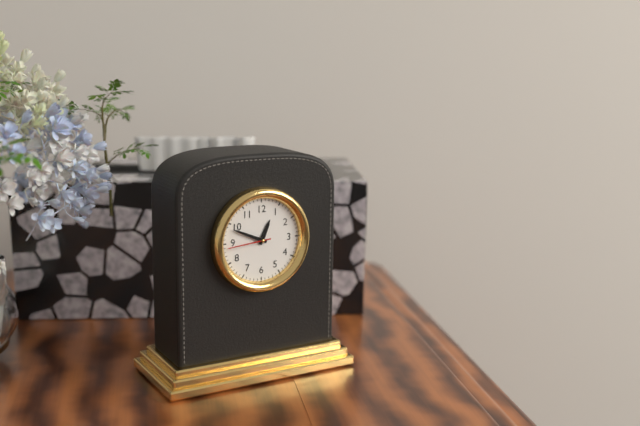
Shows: h=12 m=49
